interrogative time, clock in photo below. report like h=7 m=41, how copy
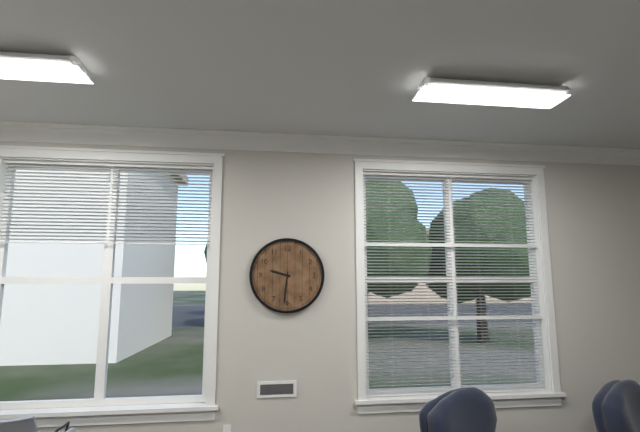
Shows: h=9 m=31
